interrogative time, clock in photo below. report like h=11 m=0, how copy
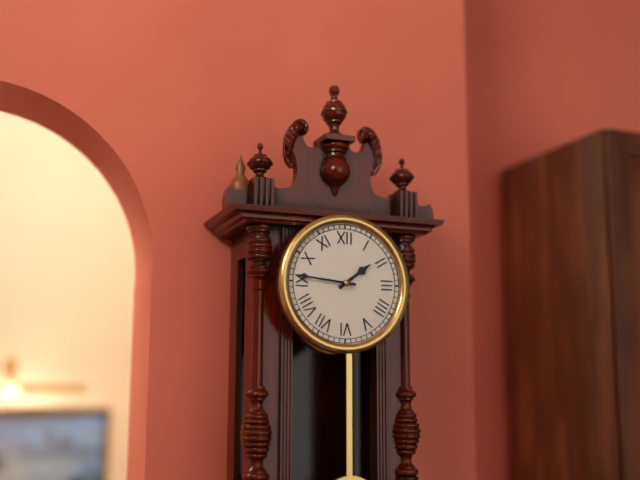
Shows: h=1 m=46
